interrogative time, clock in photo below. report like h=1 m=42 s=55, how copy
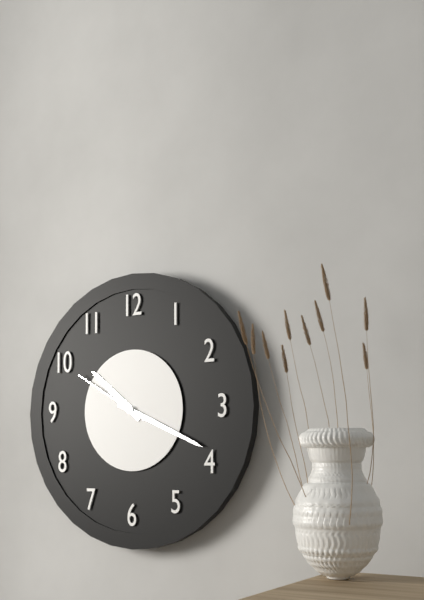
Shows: h=10 m=19 s=50
